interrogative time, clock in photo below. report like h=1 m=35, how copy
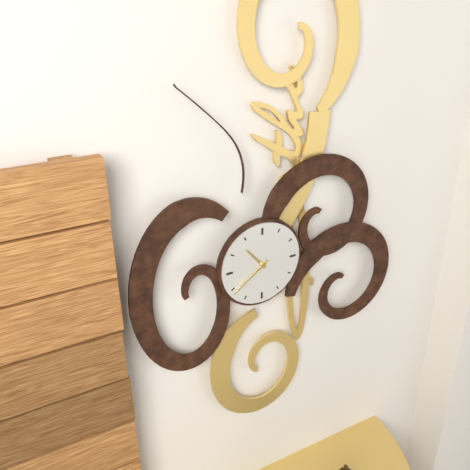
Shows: h=10 m=39
